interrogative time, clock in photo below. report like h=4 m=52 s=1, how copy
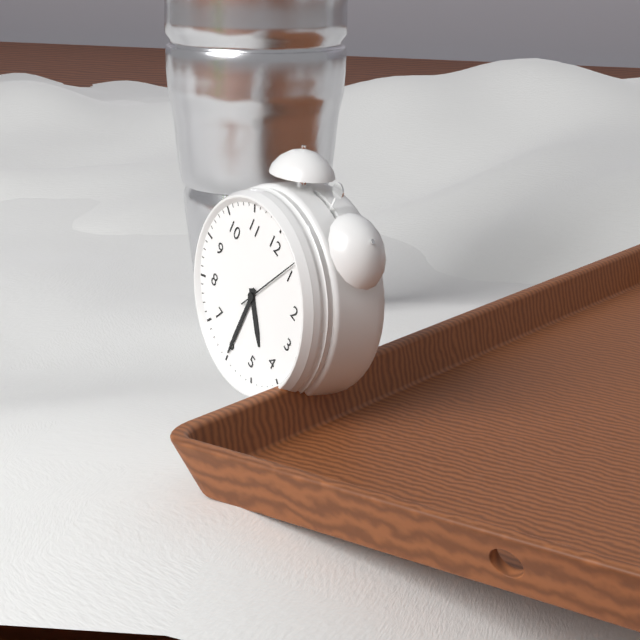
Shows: h=4 m=30 s=4
